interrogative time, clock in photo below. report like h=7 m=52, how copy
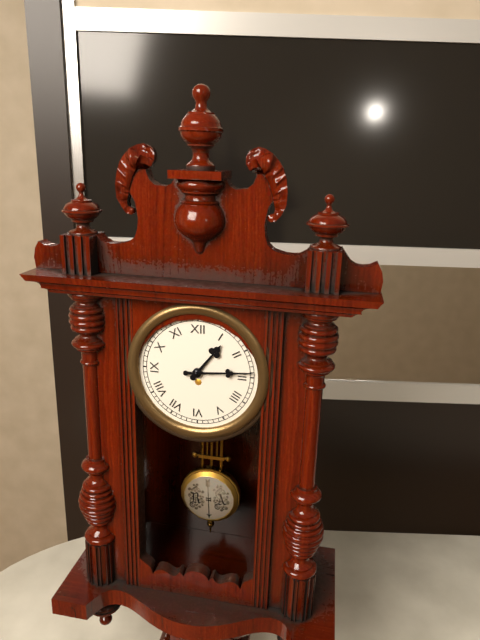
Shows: h=1 m=14
